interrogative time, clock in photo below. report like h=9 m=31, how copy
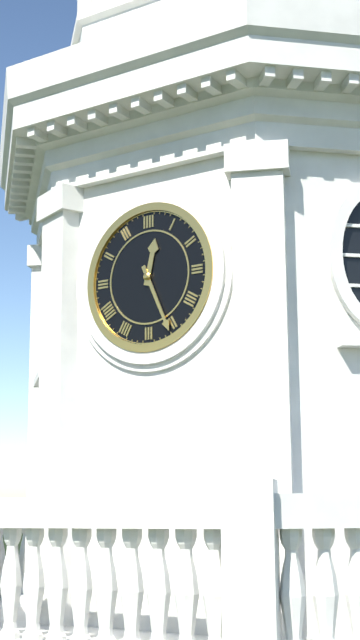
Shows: h=12 m=26
